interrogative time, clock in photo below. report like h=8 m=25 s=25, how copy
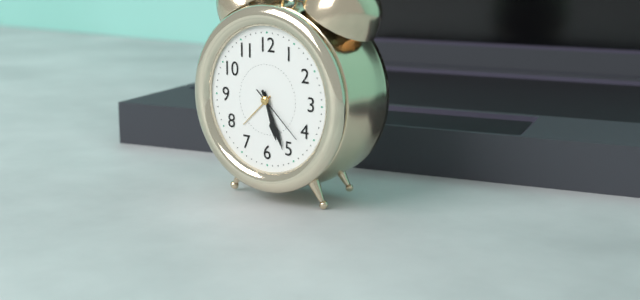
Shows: h=5 m=26 s=22
